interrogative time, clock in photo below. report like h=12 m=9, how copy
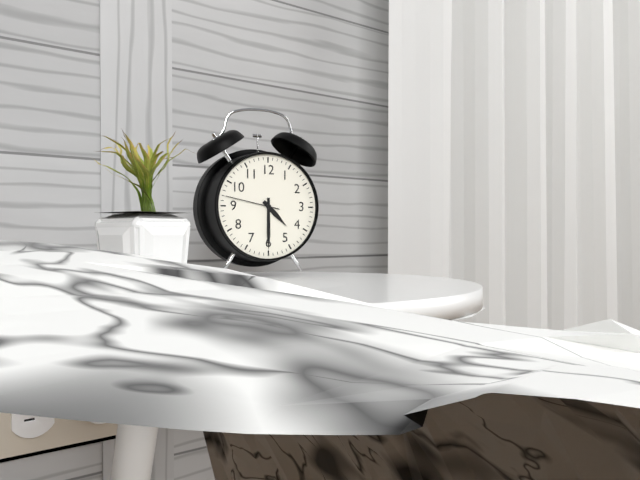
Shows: h=4 m=30
